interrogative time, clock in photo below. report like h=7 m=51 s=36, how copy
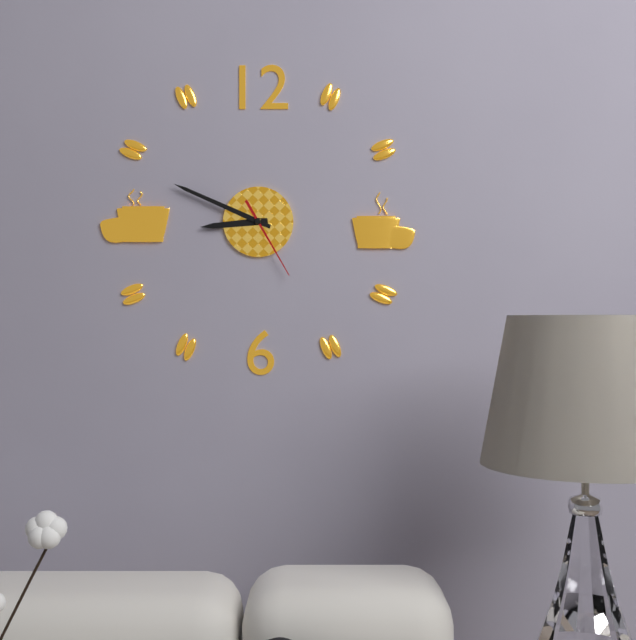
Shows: h=8 m=49 s=25
